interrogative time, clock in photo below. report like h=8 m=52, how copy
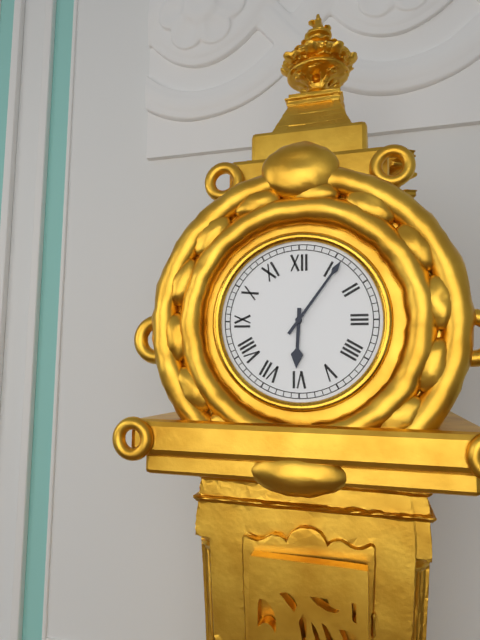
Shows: h=6 m=6
